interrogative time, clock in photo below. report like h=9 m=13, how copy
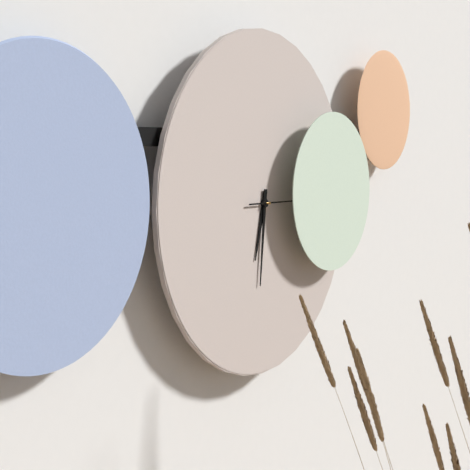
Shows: h=6 m=31
